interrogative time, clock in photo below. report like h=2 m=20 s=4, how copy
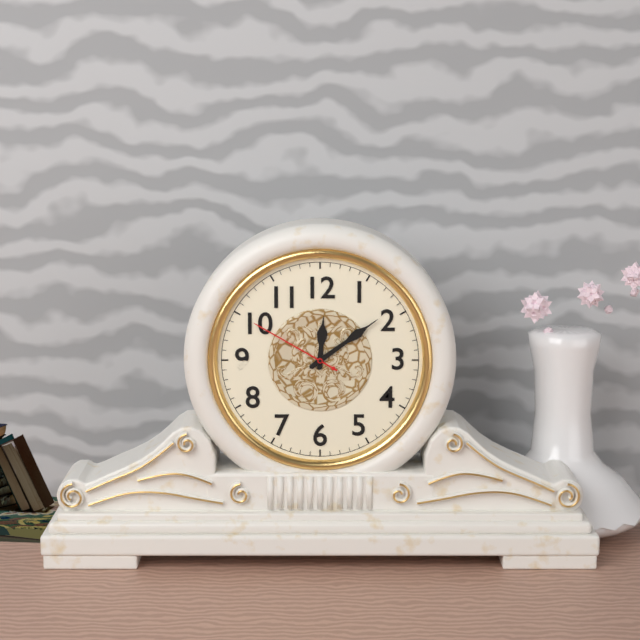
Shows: h=12 m=9 s=50
